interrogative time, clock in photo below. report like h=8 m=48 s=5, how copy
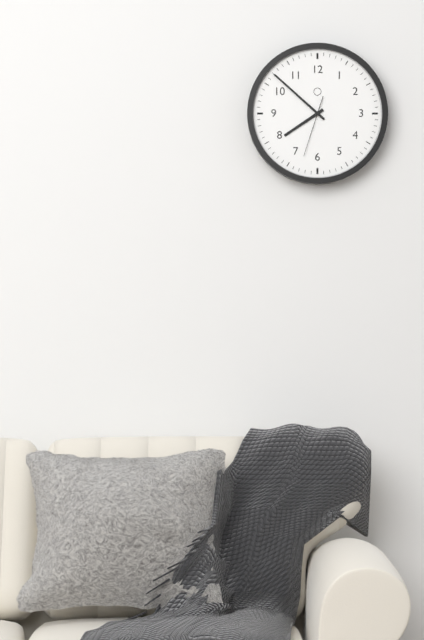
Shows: h=7 m=52 s=33
